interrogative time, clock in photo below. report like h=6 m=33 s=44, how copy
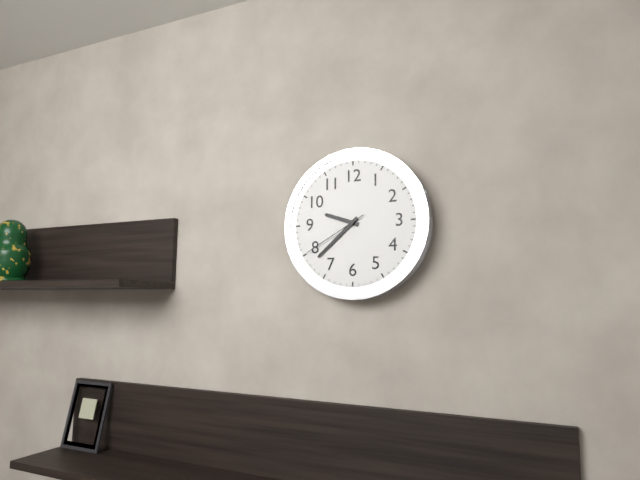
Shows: h=9 m=38 s=40
